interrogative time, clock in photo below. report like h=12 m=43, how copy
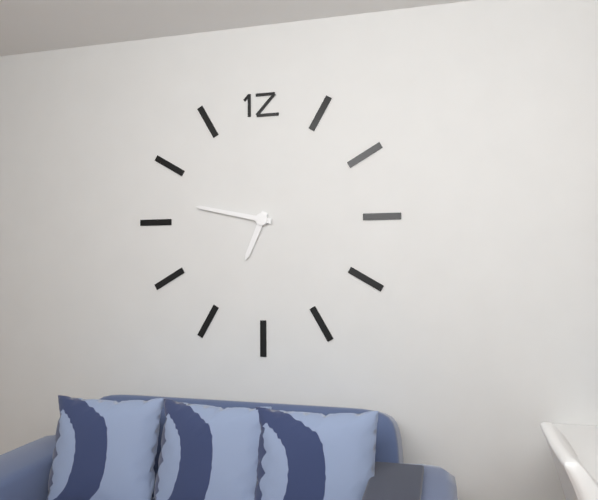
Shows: h=6 m=47
